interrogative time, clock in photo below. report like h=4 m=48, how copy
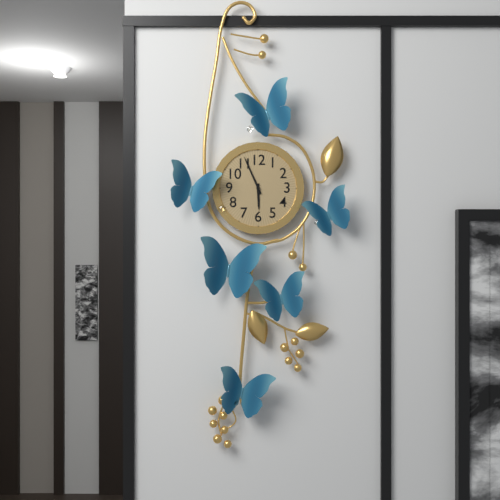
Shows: h=5 m=56
